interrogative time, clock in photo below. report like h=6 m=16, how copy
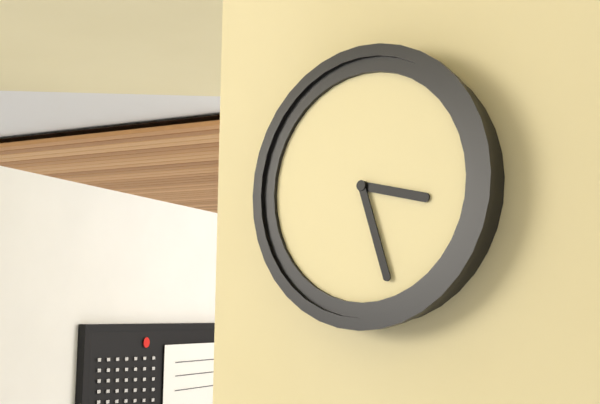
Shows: h=3 m=27
